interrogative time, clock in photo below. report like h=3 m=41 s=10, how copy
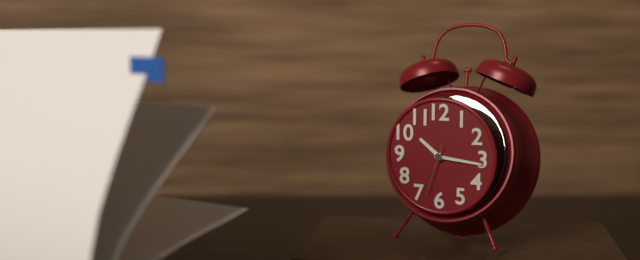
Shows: h=10 m=16 s=33
